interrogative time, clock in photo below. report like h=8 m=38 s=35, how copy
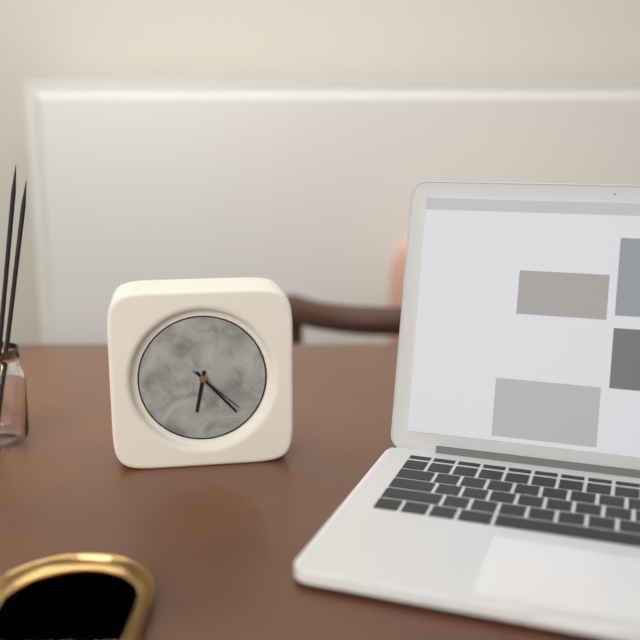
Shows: h=6 m=23 s=22
